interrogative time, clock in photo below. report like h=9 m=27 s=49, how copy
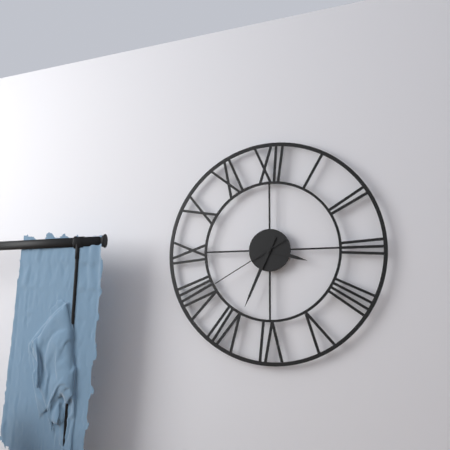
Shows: h=3 m=34 s=40
